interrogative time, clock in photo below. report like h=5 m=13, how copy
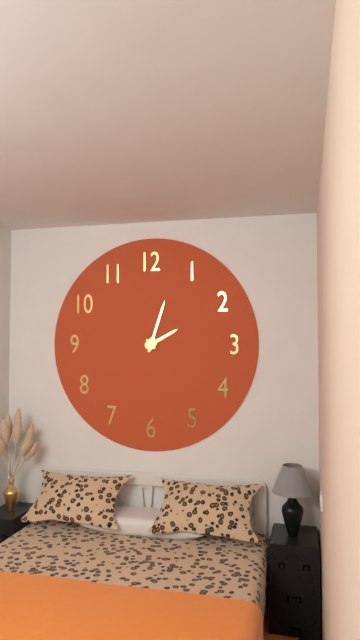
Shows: h=2 m=3
